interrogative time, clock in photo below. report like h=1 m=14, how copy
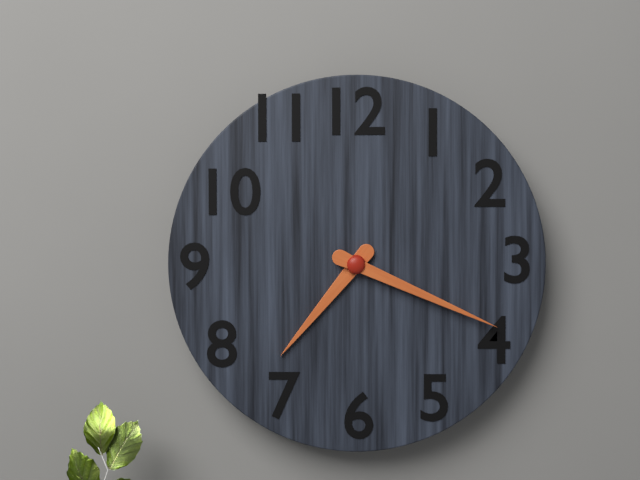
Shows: h=7 m=19
